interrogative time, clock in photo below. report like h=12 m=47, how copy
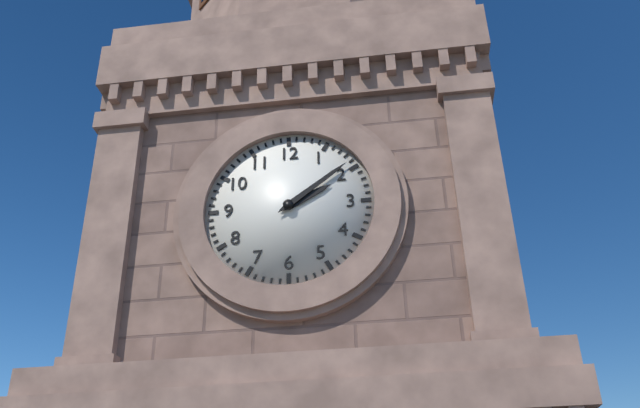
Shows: h=2 m=9
